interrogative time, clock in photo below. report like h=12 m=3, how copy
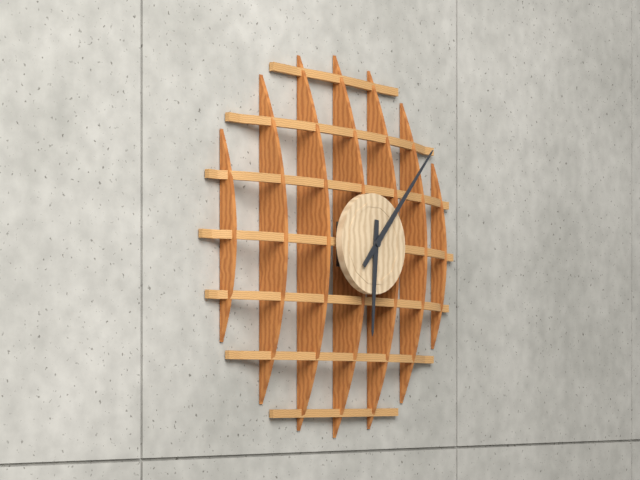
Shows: h=6 m=7
